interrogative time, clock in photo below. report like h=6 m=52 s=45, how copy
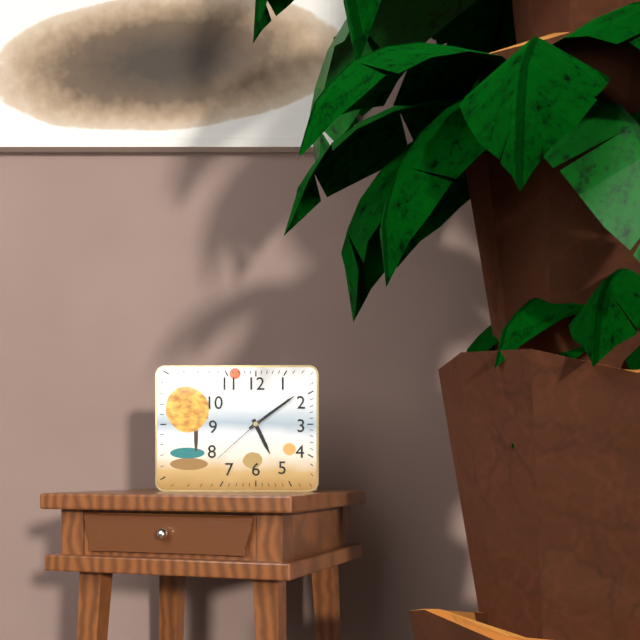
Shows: h=5 m=9 s=38
